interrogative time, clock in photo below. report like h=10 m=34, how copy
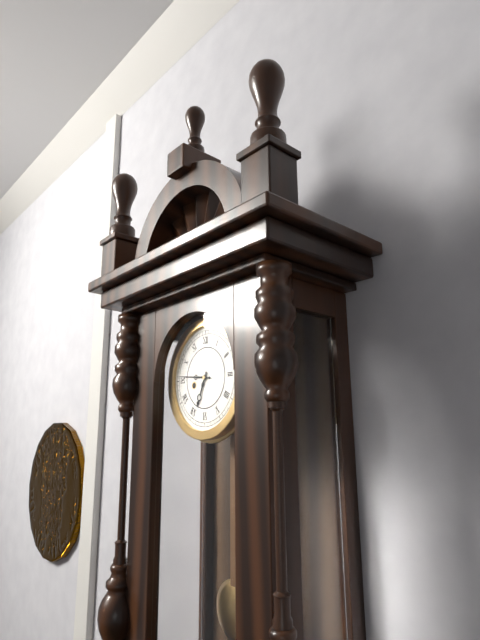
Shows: h=6 m=46
